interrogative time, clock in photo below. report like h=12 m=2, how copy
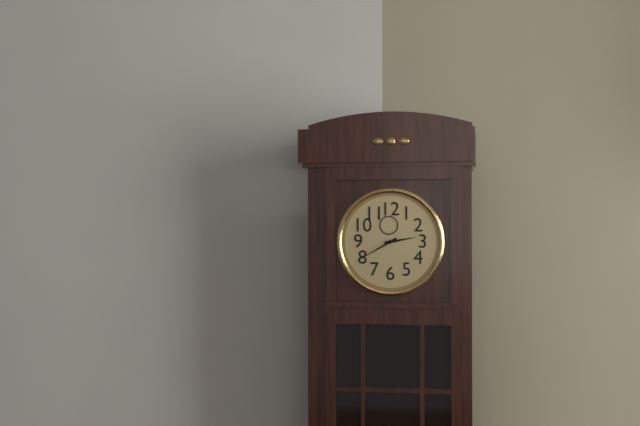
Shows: h=2 m=40
